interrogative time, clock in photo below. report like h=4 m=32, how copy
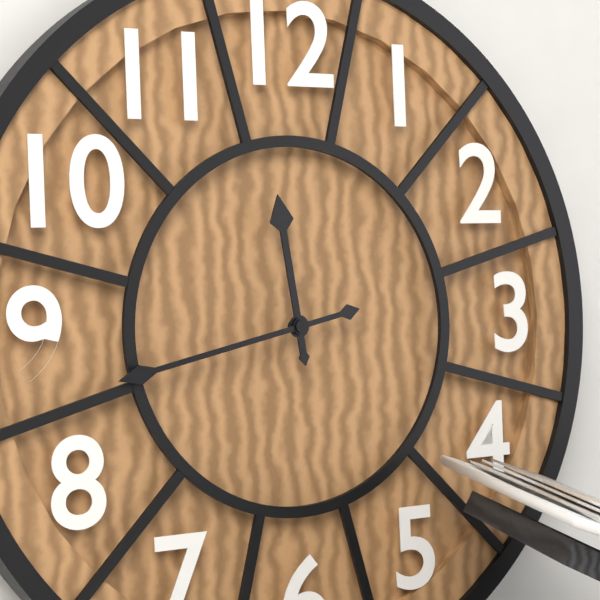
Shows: h=11 m=43
